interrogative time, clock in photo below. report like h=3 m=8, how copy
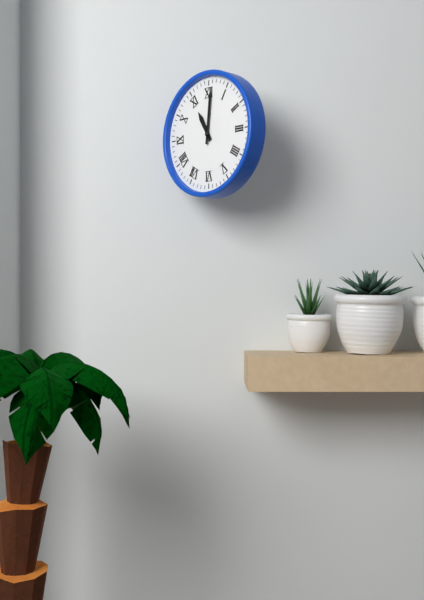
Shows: h=11 m=1
